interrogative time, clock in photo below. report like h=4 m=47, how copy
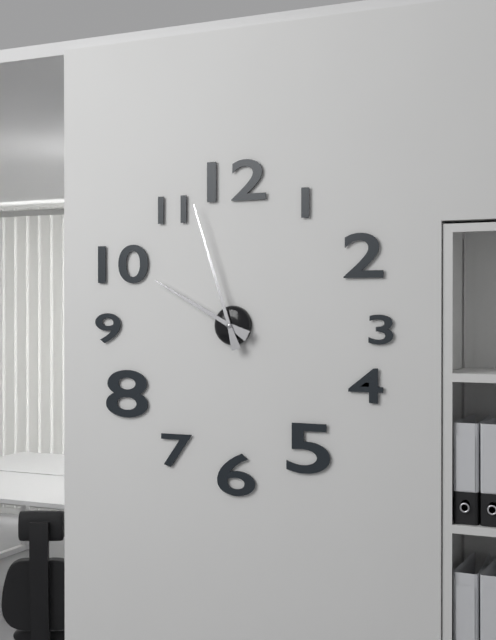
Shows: h=9 m=57
